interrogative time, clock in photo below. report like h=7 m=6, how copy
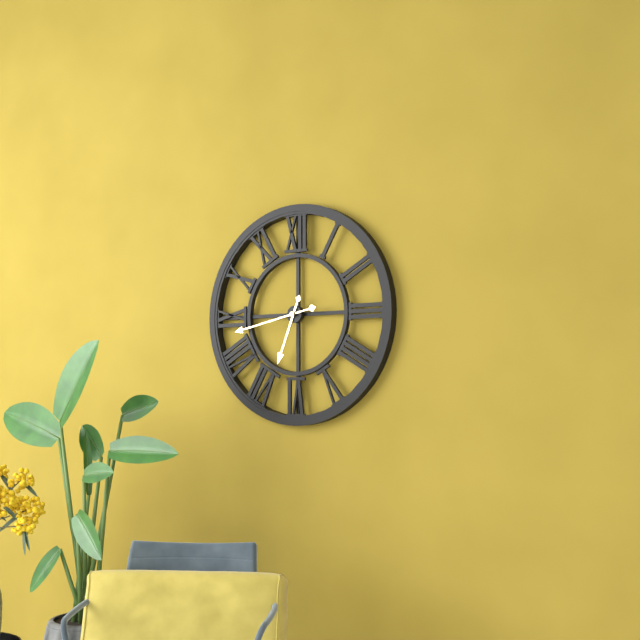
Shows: h=6 m=43
